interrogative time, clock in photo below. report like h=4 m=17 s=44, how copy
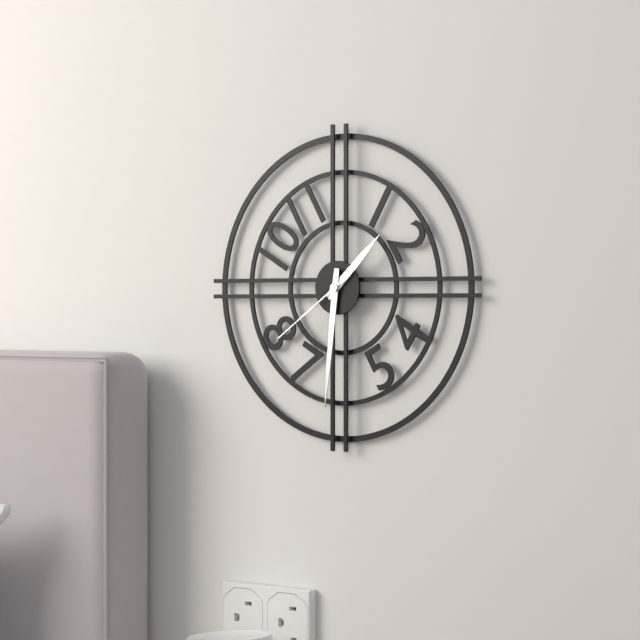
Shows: h=1 m=31 s=39
